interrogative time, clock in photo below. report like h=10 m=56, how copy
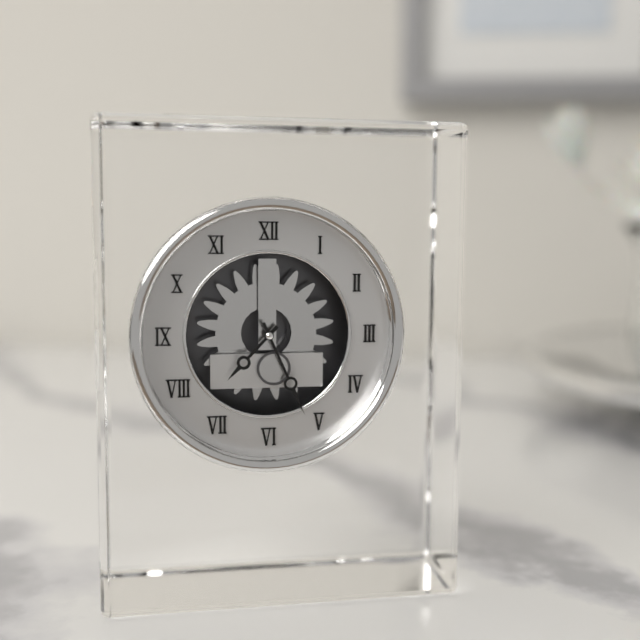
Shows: h=7 m=26
